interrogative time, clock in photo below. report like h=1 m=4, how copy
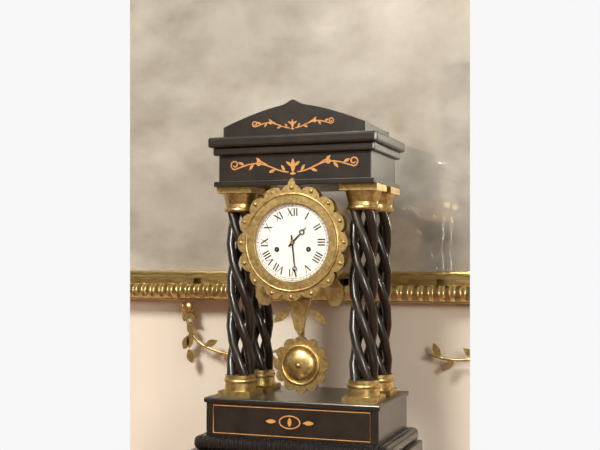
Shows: h=1 m=29
